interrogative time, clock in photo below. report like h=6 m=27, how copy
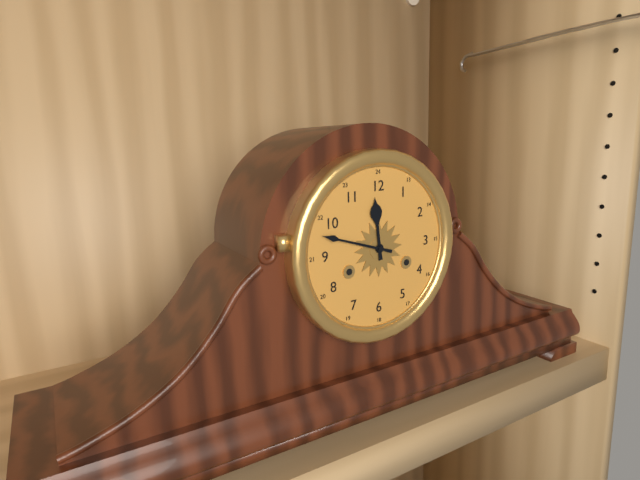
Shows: h=11 m=48
